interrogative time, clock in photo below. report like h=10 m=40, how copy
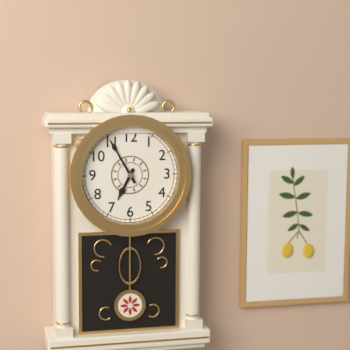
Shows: h=6 m=55
